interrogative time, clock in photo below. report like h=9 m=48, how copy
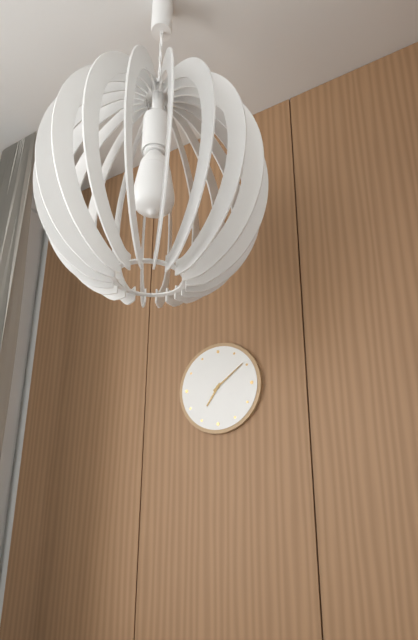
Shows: h=7 m=9
